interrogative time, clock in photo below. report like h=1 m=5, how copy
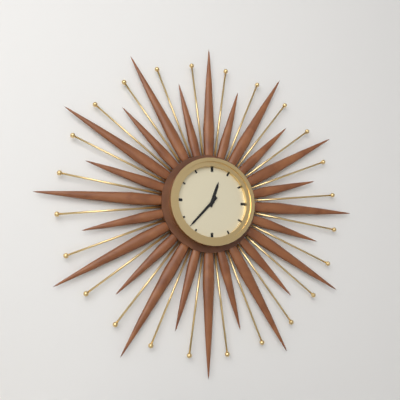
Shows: h=12 m=37
